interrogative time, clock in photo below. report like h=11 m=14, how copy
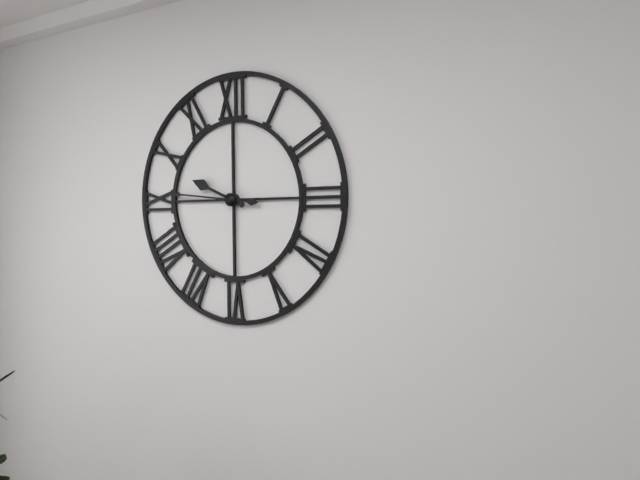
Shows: h=9 m=46
